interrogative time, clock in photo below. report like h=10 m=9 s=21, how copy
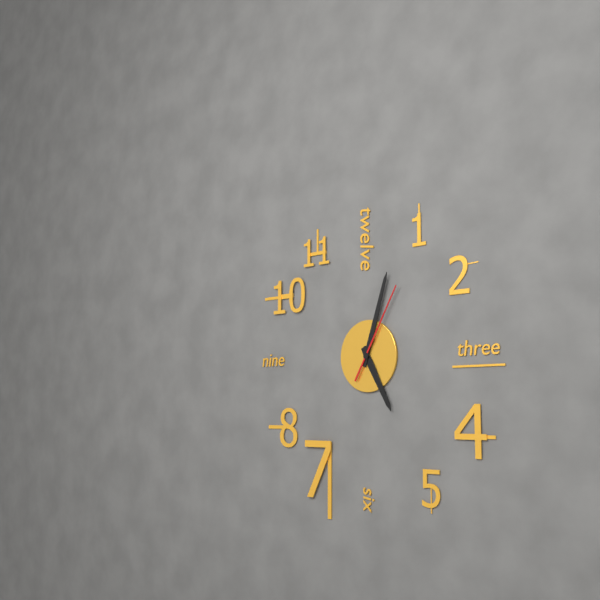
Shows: h=5 m=3 s=5
